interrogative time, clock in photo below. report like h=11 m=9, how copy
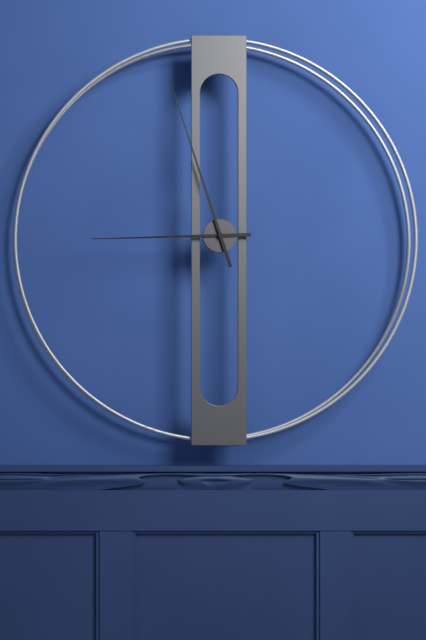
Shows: h=8 m=57
